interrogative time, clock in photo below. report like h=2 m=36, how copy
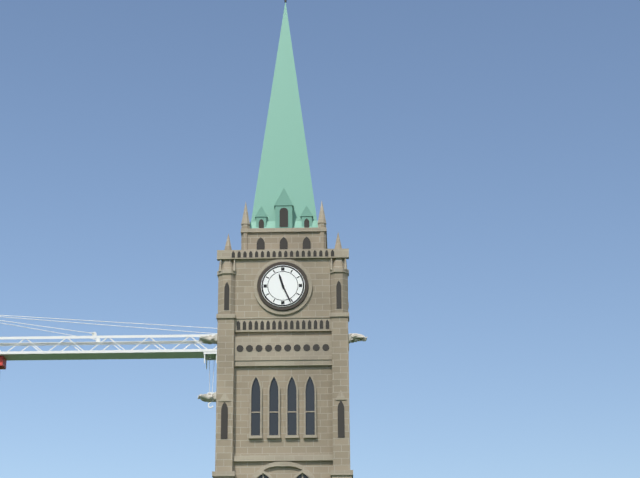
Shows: h=11 m=26
